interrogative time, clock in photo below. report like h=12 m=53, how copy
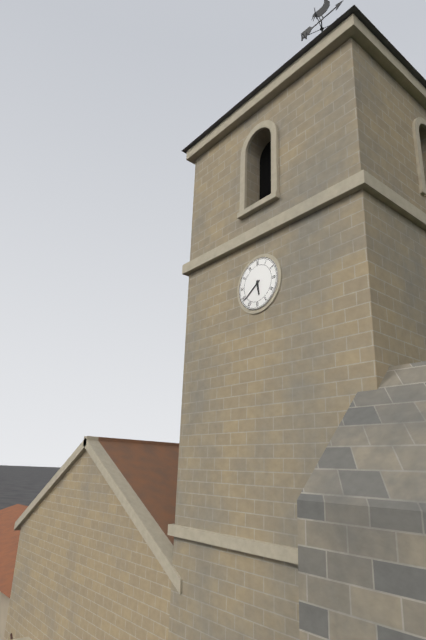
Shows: h=5 m=39
